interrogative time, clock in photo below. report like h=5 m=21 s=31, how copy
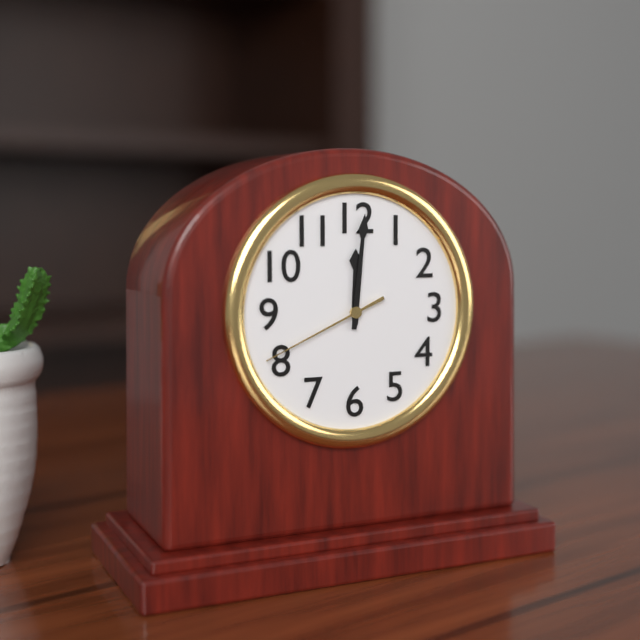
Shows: h=12 m=1 s=41
